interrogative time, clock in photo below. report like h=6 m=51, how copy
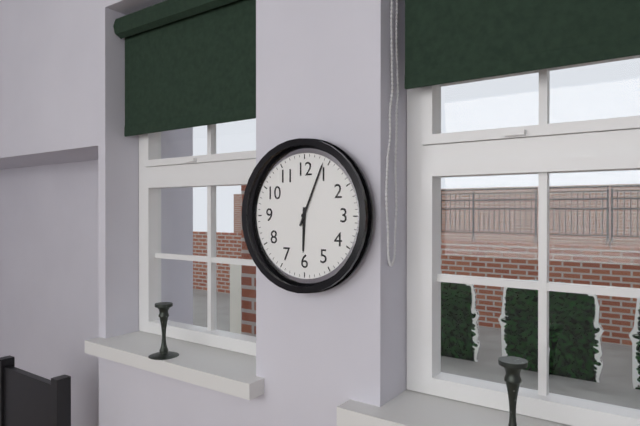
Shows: h=6 m=4
